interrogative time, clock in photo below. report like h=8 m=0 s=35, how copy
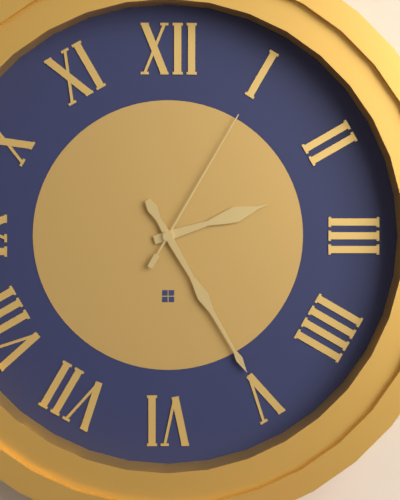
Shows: h=2 m=25 s=5
